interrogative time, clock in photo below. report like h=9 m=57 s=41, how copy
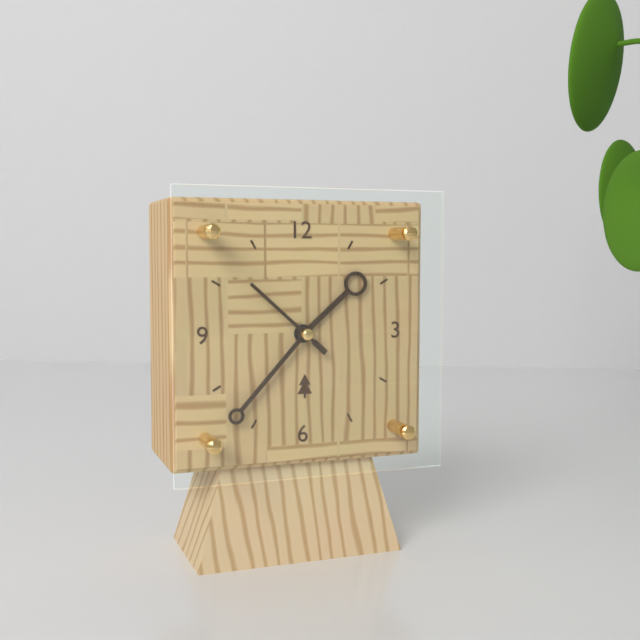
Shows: h=1 m=37 s=52
